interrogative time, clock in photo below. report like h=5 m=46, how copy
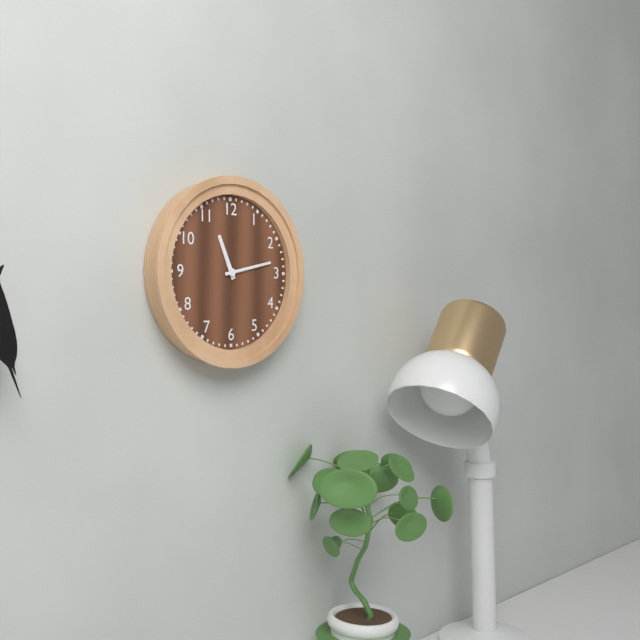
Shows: h=11 m=13
